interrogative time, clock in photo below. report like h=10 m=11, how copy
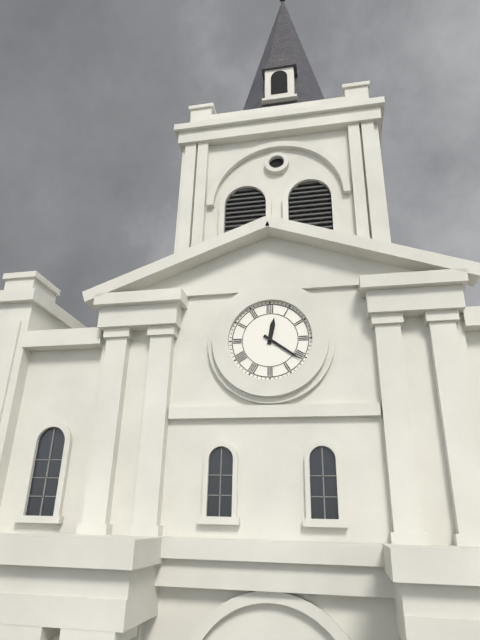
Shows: h=12 m=21
